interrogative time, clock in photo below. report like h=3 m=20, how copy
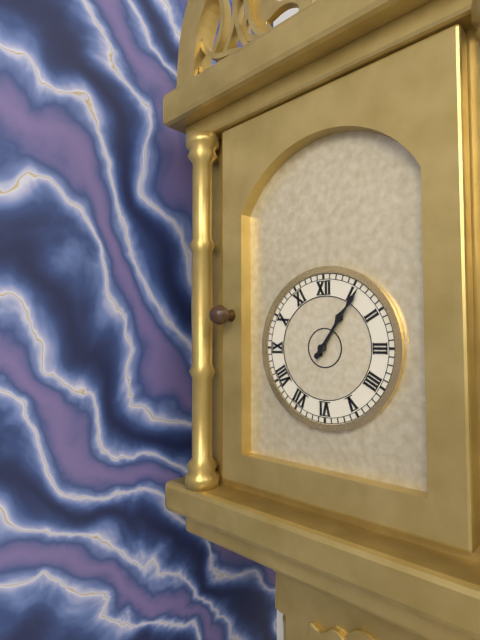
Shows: h=1 m=6
